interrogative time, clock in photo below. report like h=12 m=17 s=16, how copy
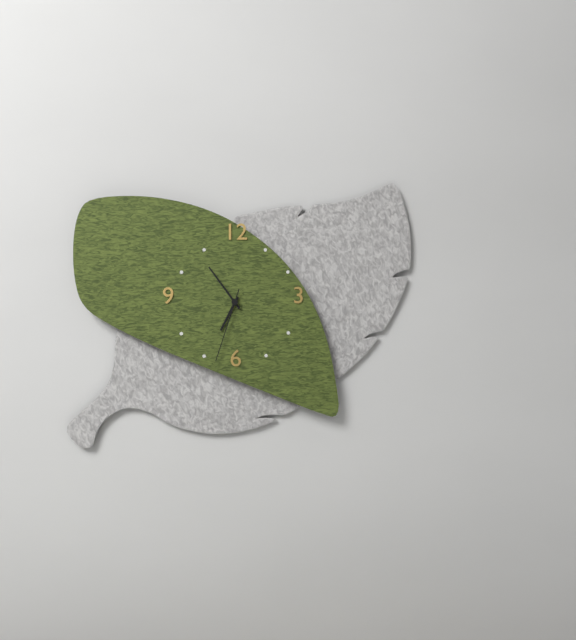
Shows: h=6 m=54 s=33
